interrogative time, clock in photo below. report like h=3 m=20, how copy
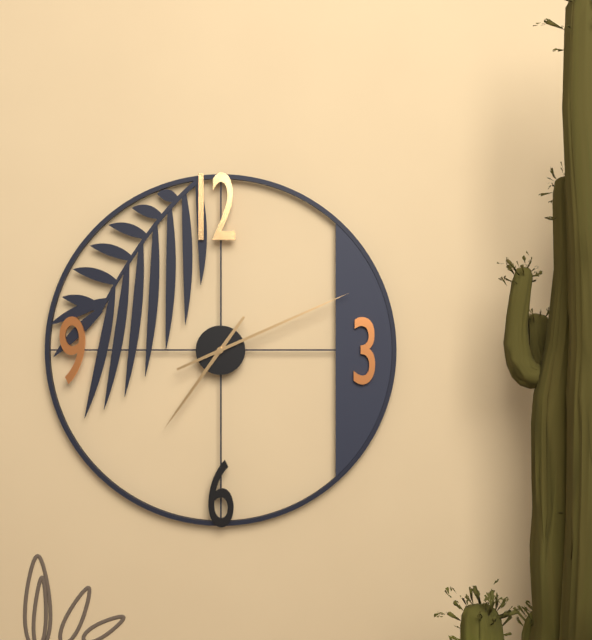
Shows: h=7 m=11
